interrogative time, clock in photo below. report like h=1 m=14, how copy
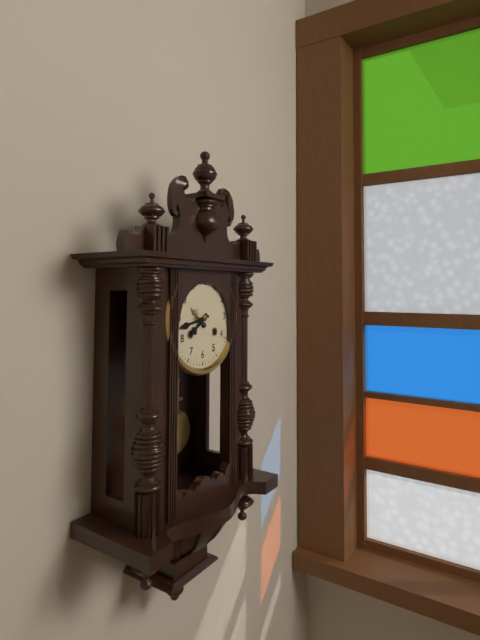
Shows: h=7 m=43
